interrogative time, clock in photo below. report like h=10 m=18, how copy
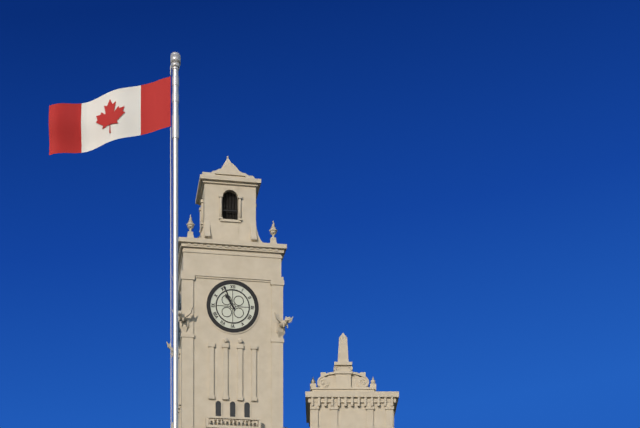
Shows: h=10 m=56
